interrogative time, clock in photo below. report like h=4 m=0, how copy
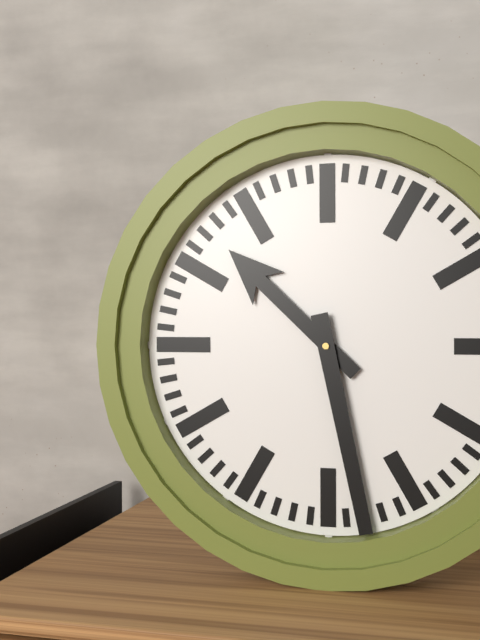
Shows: h=10 m=28
